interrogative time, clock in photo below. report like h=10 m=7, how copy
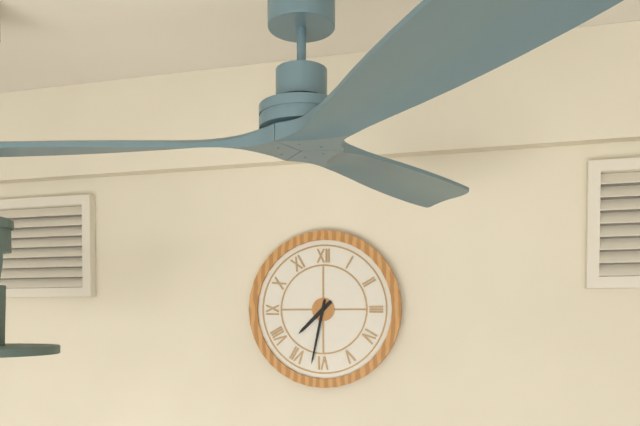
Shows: h=7 m=32
